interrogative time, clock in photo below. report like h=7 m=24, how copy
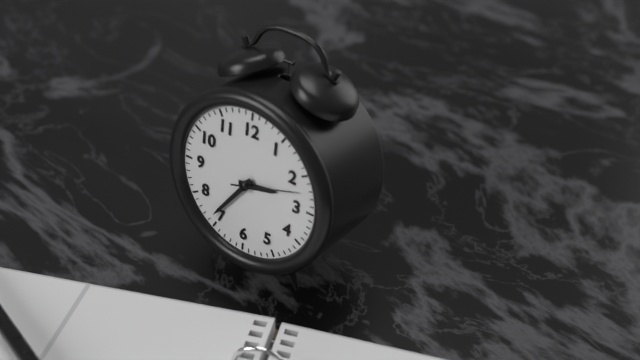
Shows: h=2 m=36
